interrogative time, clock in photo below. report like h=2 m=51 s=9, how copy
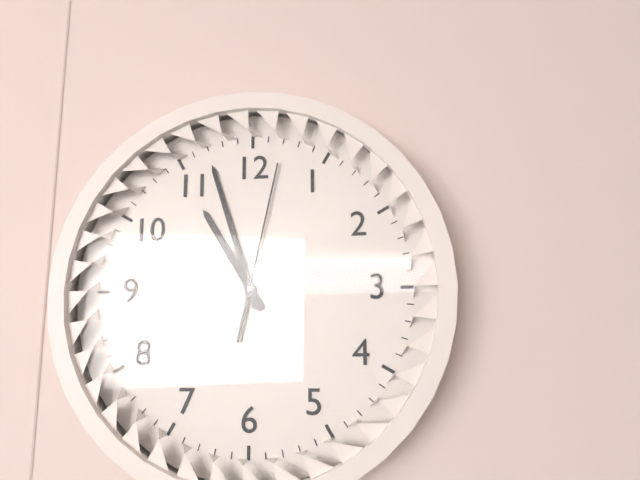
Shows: h=10 m=57 s=2
